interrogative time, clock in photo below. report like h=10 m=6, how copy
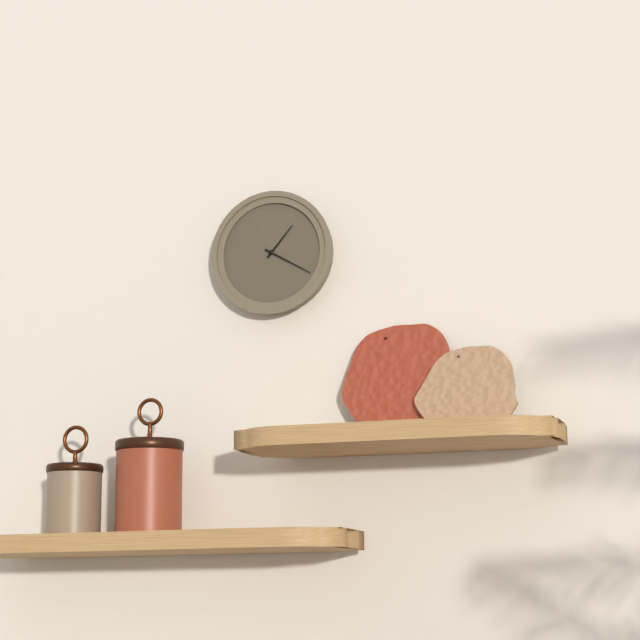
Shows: h=1 m=20
